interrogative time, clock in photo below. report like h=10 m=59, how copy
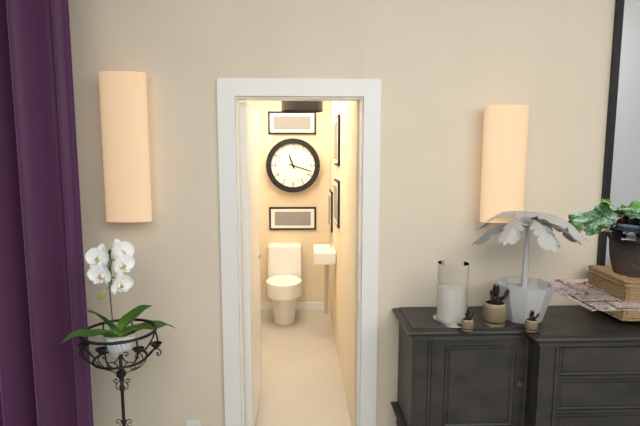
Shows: h=11 m=18
